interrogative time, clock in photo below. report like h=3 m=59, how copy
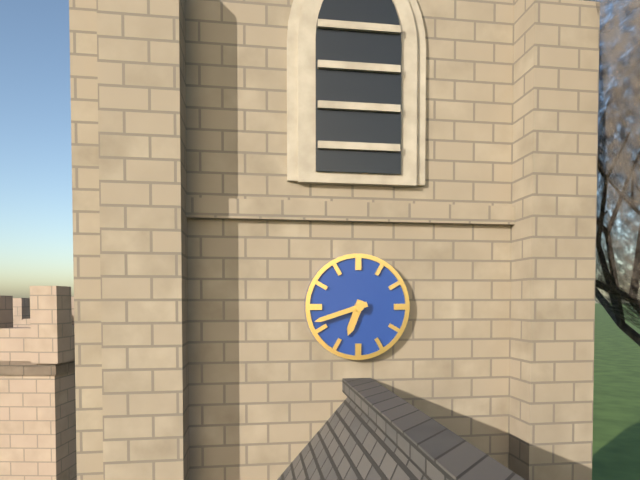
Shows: h=6 m=42
